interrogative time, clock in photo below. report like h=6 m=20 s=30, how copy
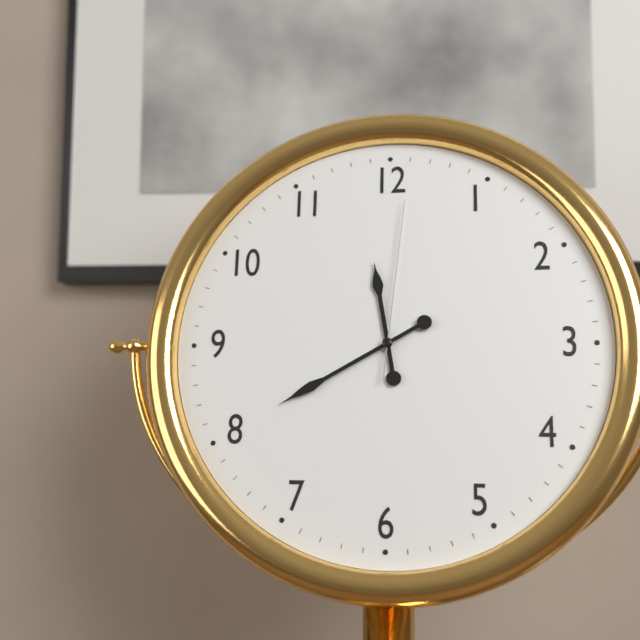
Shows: h=11 m=40 s=1
